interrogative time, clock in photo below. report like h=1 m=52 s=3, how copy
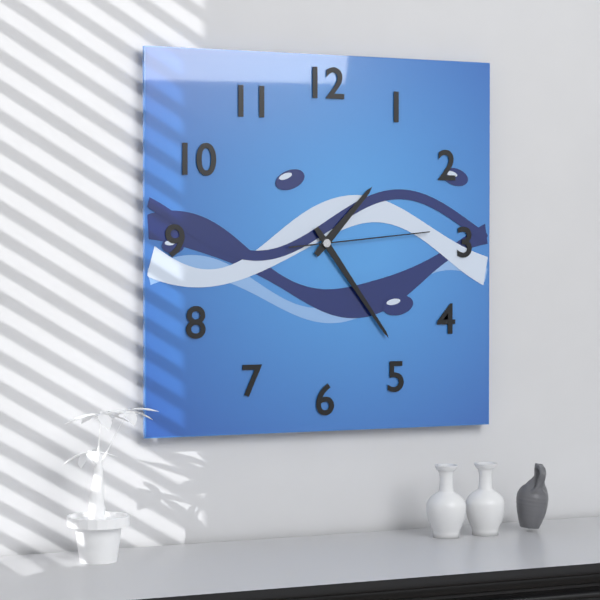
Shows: h=1 m=24 s=14
